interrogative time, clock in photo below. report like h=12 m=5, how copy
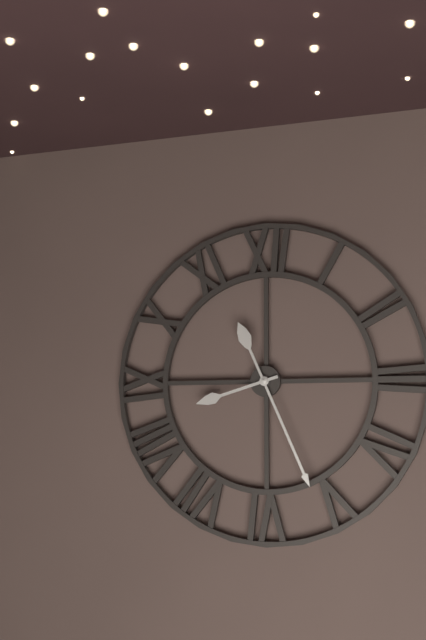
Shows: h=8 m=26
